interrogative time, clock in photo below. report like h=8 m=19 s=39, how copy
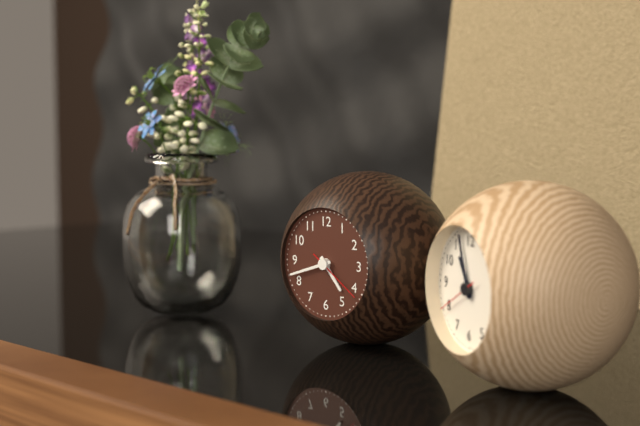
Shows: h=4 m=42 s=21
